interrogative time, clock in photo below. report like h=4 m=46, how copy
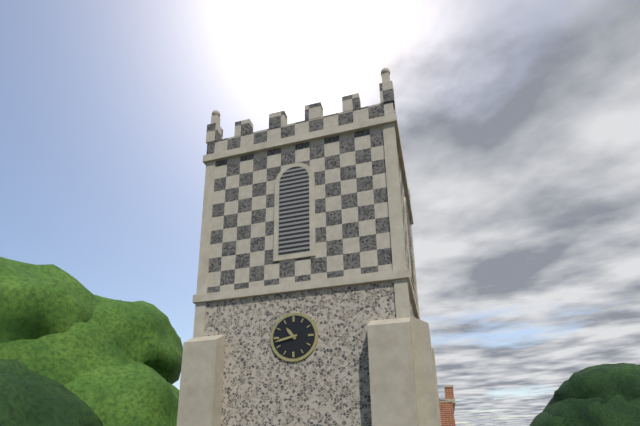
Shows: h=10 m=43
